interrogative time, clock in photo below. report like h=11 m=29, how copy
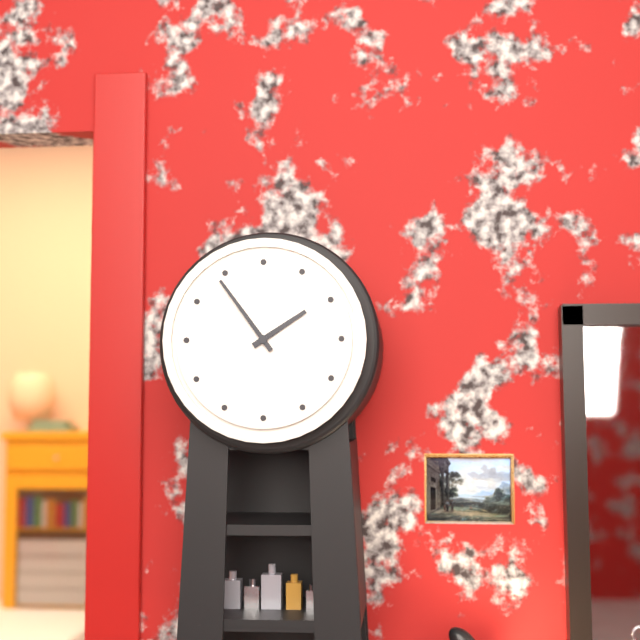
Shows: h=1 m=54
